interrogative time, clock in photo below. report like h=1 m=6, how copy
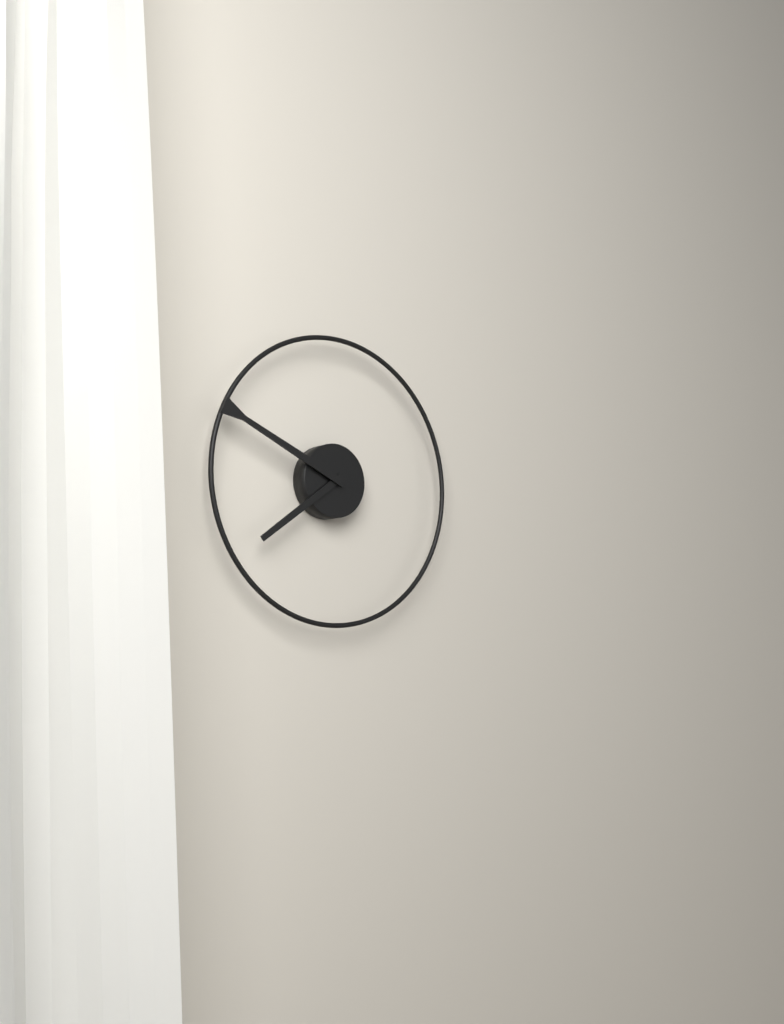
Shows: h=7 m=49
